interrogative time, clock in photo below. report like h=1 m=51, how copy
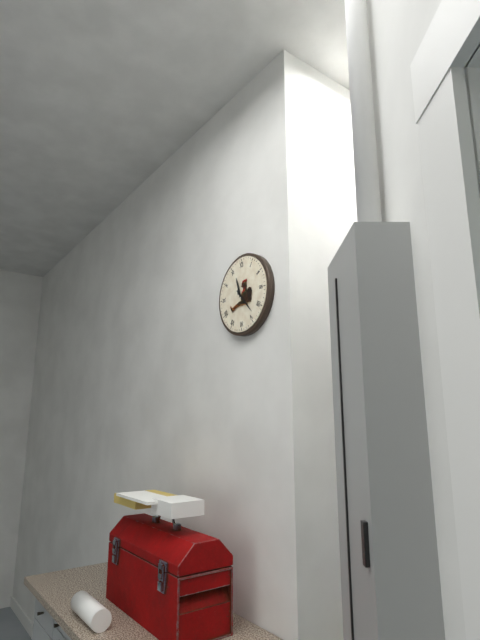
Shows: h=11 m=23
